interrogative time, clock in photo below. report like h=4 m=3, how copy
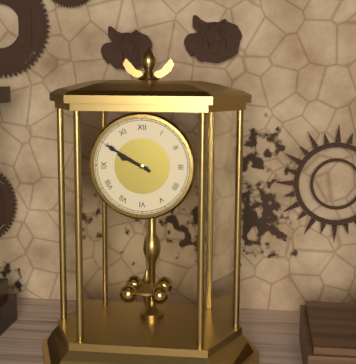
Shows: h=9 m=50
